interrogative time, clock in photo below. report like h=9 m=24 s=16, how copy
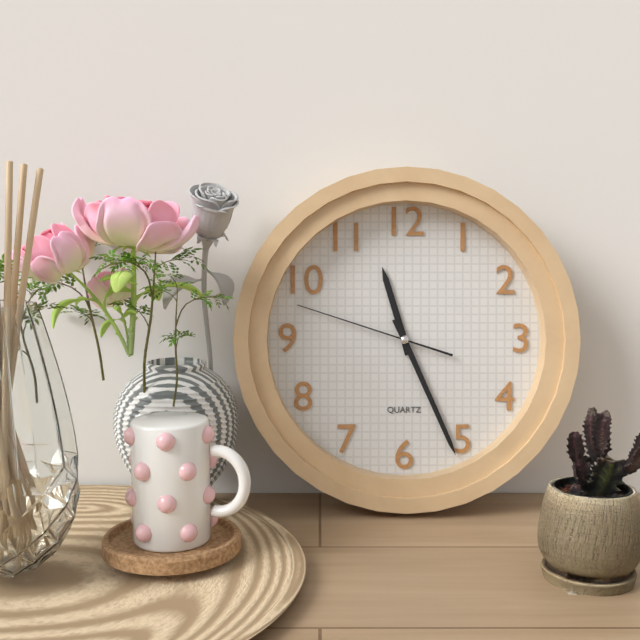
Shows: h=11 m=26 s=48
